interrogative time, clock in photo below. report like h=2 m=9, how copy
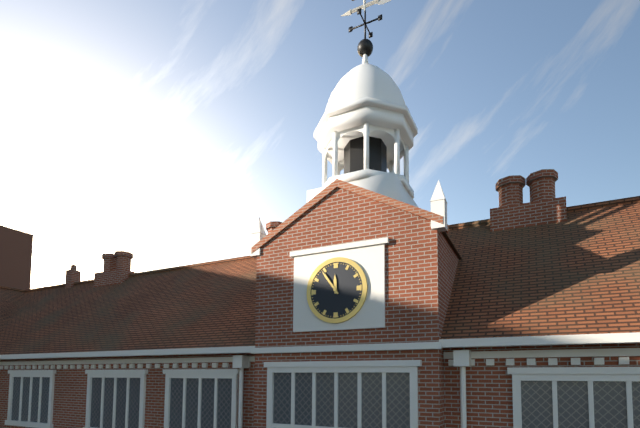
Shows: h=11 m=54
